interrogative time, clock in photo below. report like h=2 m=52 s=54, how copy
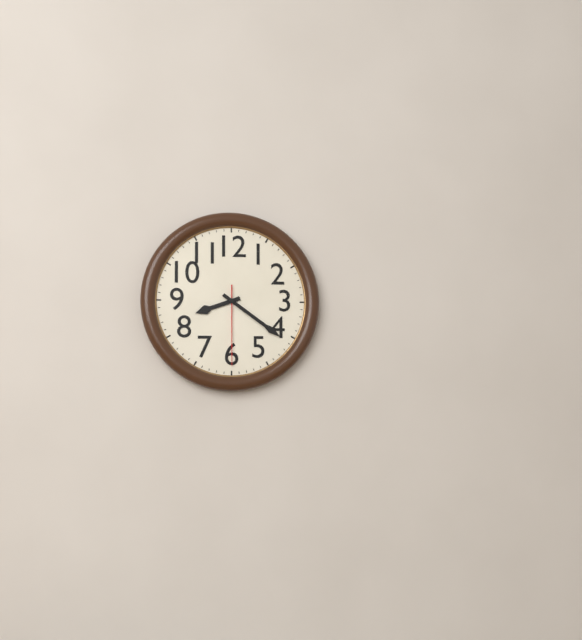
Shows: h=8 m=21 s=30
